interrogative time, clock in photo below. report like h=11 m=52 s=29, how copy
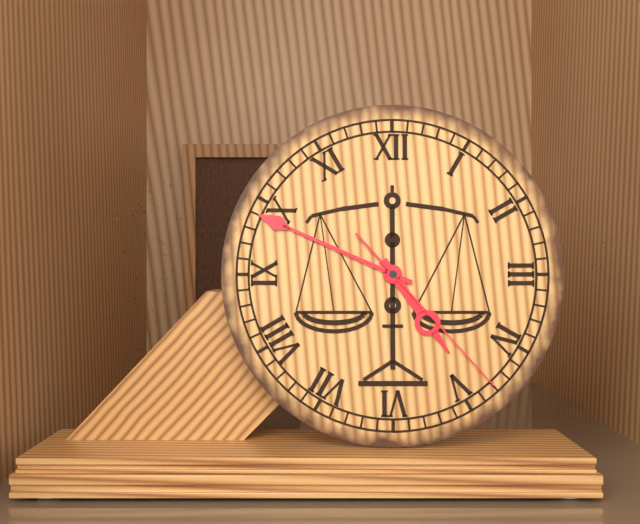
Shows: h=4 m=49 s=23
